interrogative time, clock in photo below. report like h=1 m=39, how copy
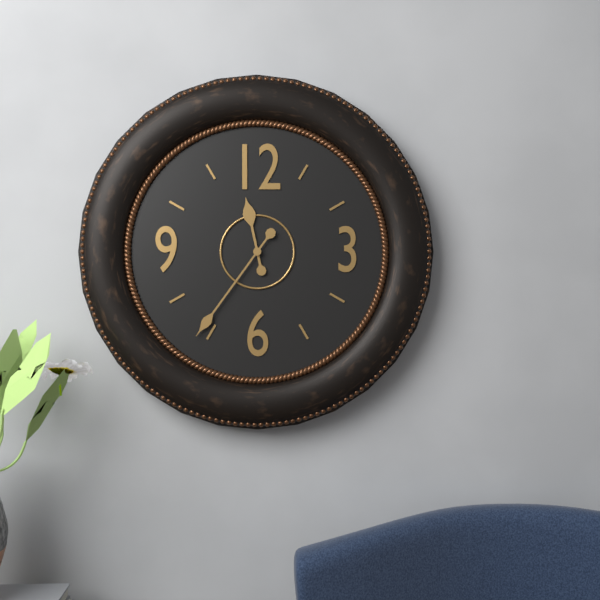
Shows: h=11 m=36
